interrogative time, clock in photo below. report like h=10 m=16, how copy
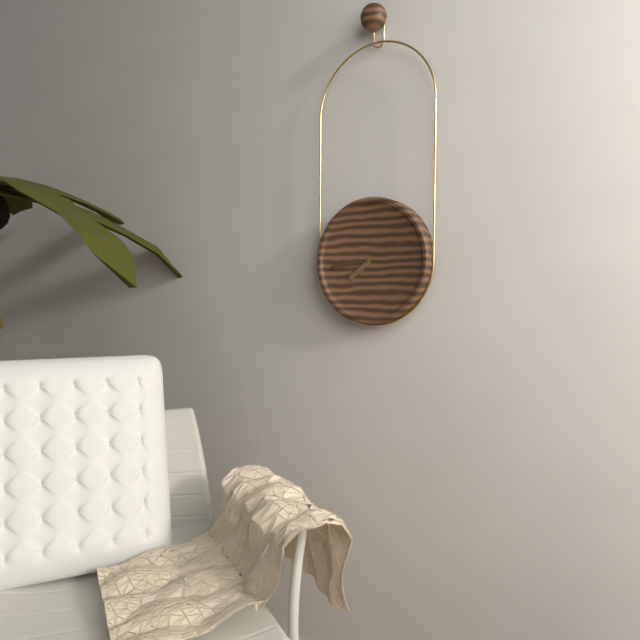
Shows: h=7 m=44
